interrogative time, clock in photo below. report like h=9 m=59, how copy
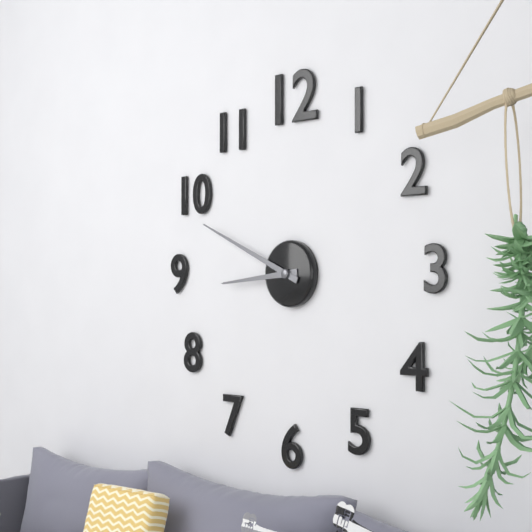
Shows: h=8 m=49
